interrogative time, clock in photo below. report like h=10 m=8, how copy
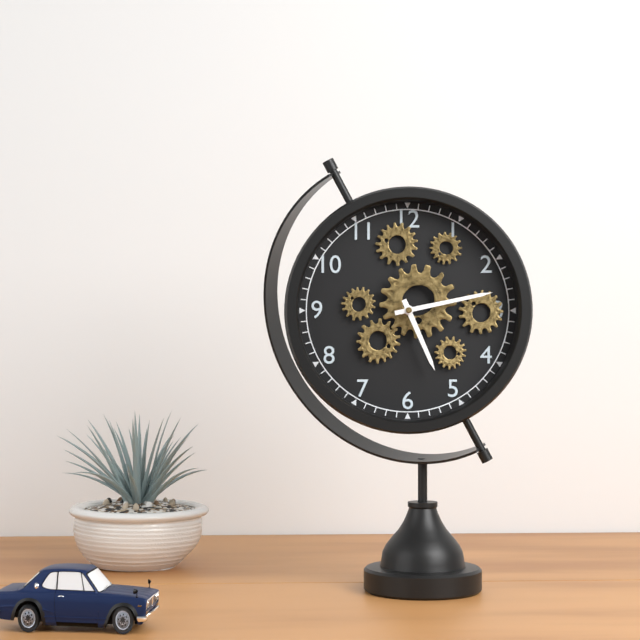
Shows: h=5 m=13
